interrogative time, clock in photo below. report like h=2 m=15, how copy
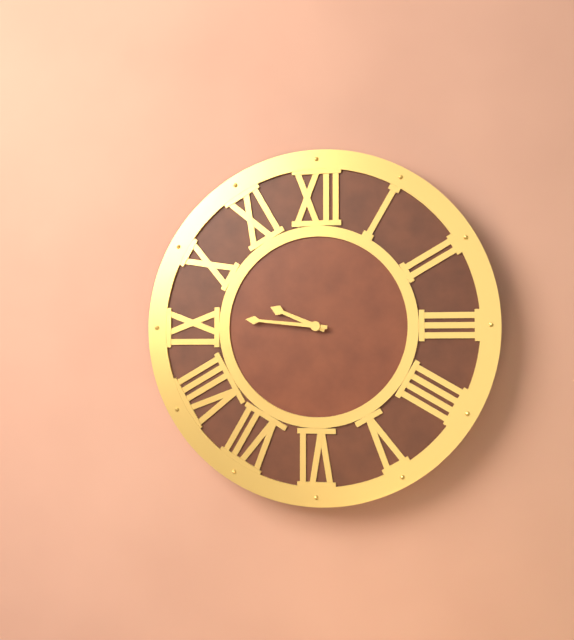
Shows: h=9 m=46
